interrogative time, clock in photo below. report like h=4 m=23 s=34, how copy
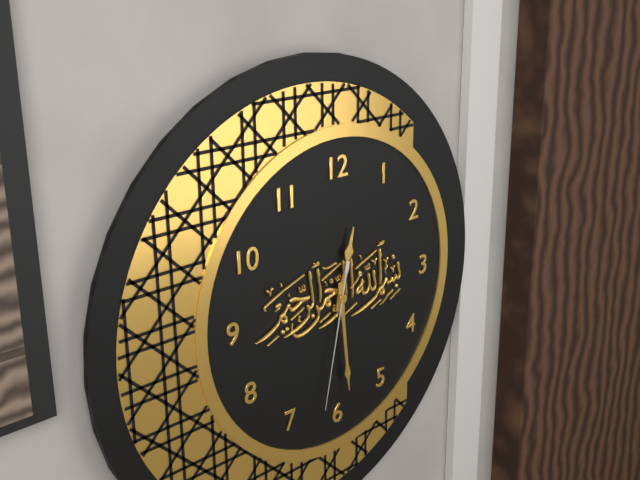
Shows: h=12 m=29 s=32
